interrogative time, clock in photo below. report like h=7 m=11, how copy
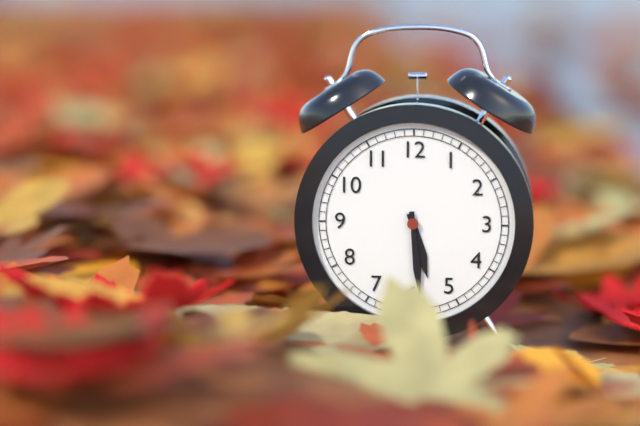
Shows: h=5 m=29
